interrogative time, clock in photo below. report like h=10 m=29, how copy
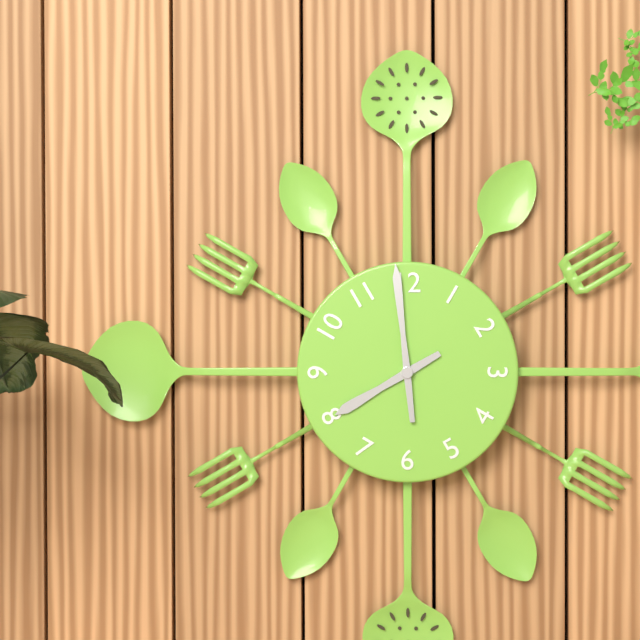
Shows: h=7 m=59
